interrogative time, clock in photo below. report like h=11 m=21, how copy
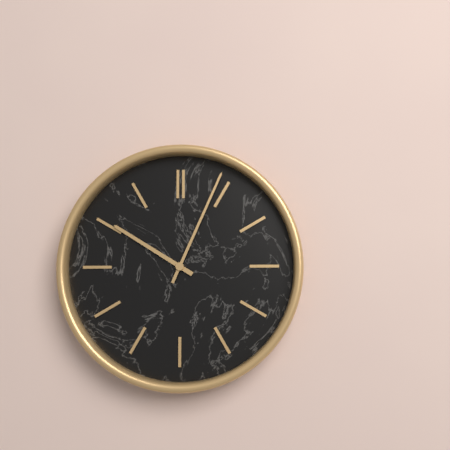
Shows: h=10 m=4
